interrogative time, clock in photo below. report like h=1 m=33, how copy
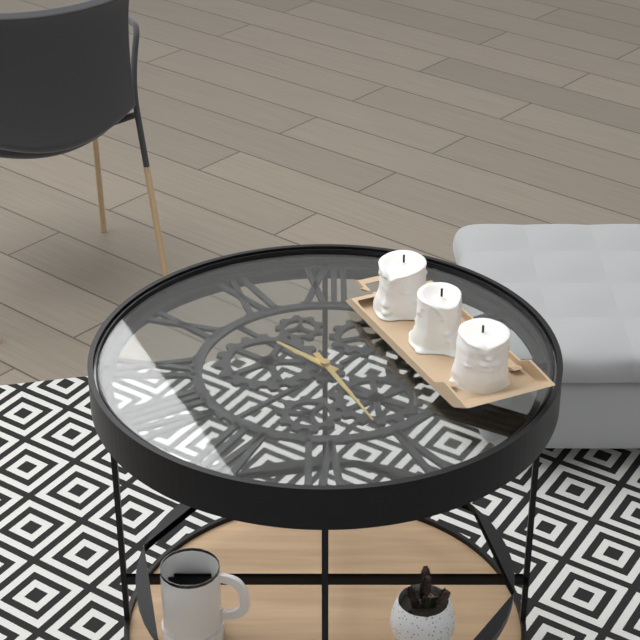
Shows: h=10 m=26
